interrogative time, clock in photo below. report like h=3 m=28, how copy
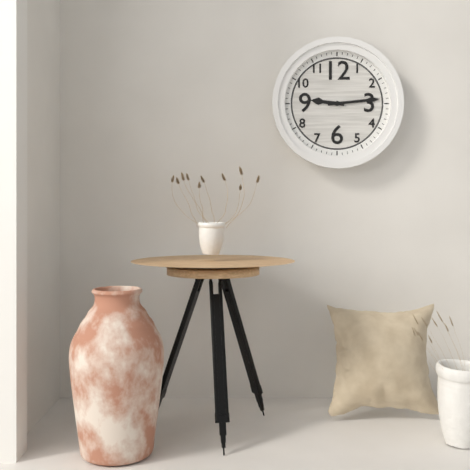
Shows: h=9 m=14
